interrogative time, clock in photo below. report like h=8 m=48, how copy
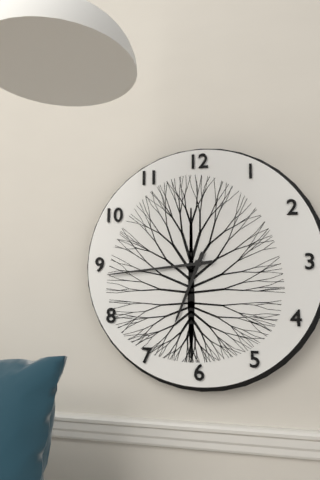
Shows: h=6 m=44
